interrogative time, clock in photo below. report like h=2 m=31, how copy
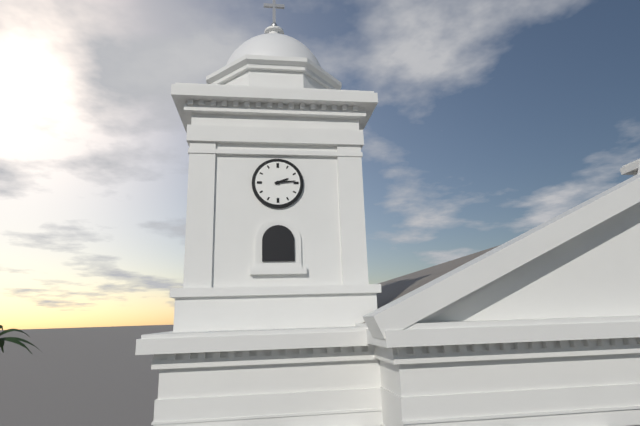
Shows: h=2 m=14
